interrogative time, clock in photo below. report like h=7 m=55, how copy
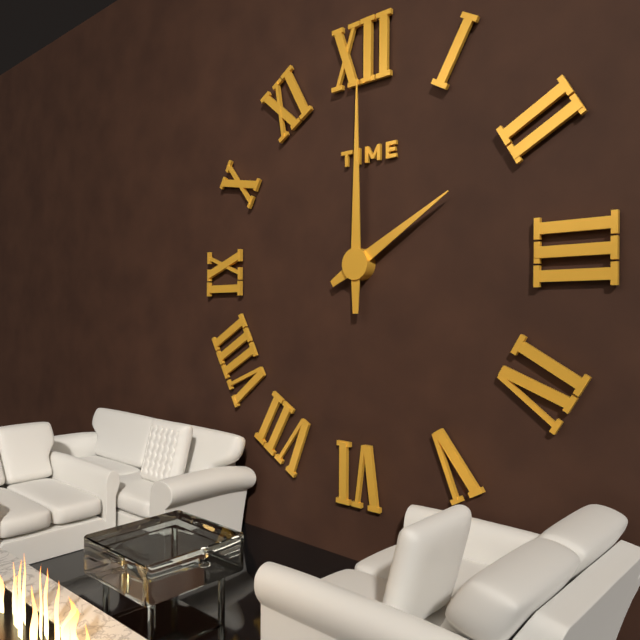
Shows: h=2 m=0
